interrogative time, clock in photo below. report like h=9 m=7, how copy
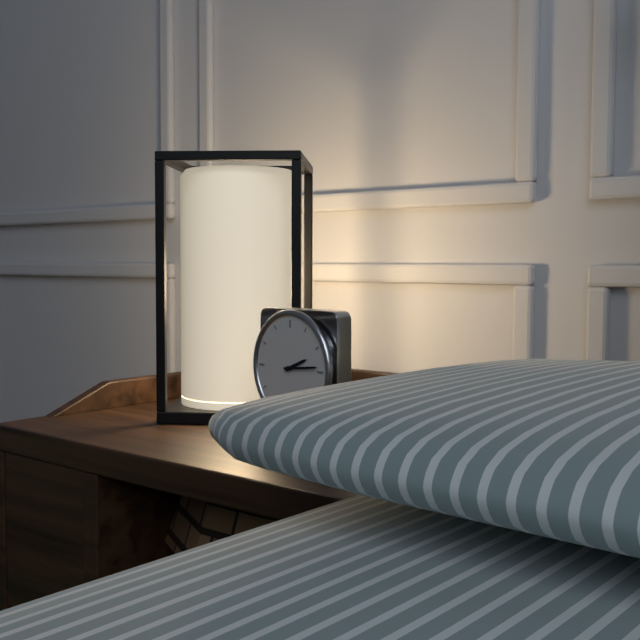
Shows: h=2 m=14
